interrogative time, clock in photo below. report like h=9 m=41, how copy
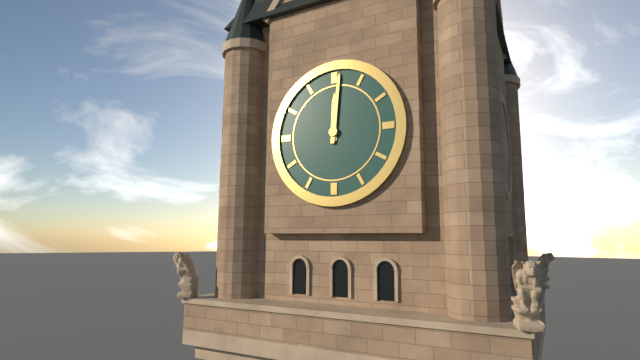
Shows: h=12 m=1
